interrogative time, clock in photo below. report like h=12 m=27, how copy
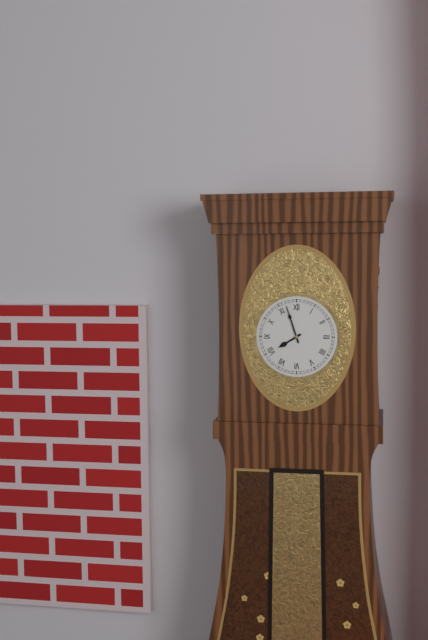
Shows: h=7 m=57
